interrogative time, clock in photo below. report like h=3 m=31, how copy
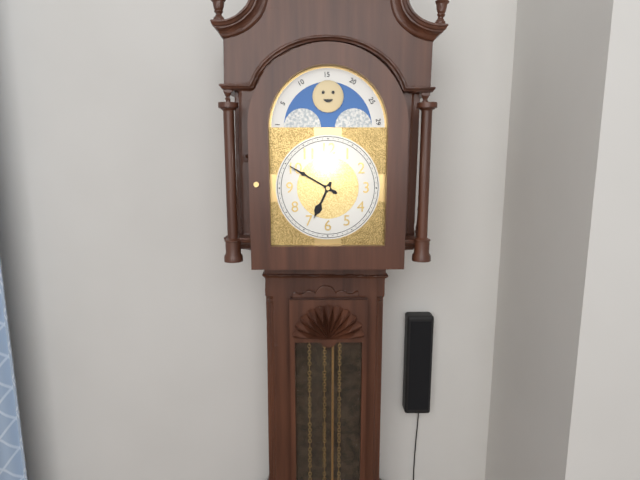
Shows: h=6 m=50
